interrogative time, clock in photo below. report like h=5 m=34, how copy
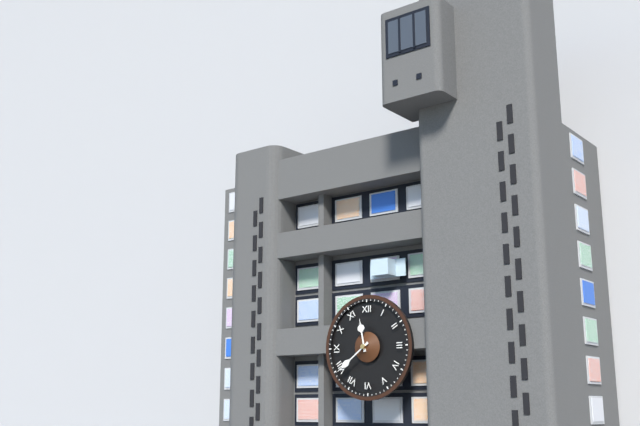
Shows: h=11 m=39
